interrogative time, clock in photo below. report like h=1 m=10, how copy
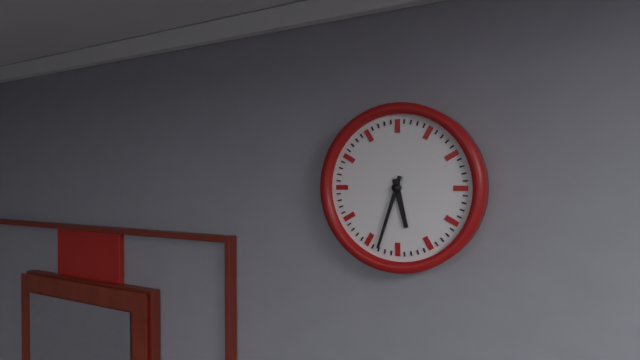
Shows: h=5 m=33
